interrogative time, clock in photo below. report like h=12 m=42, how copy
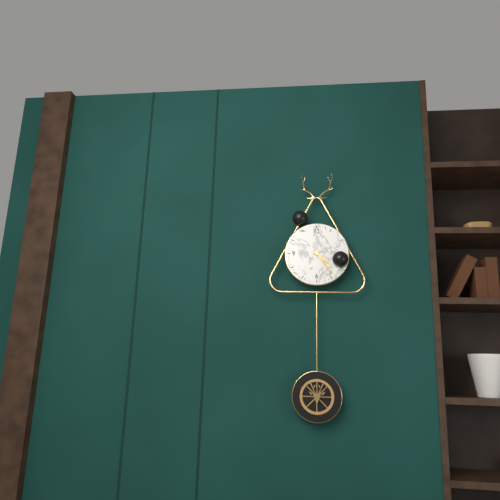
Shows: h=4 m=24
